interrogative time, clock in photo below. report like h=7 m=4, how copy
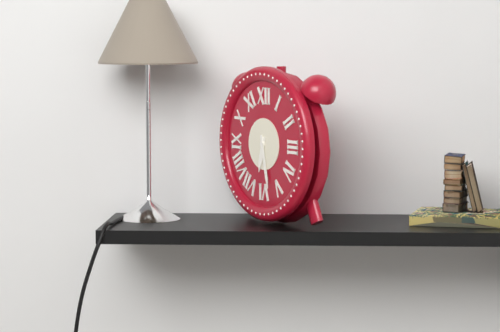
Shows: h=6 m=28
